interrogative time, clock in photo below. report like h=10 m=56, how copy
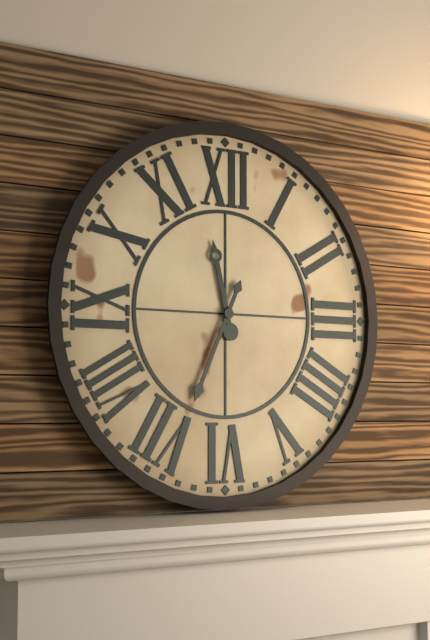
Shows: h=11 m=34
